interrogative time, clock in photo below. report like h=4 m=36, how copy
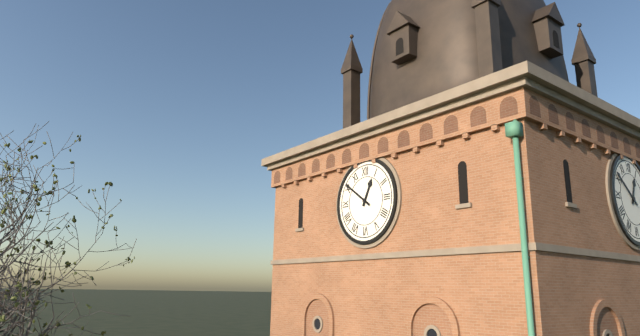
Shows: h=12 m=51
